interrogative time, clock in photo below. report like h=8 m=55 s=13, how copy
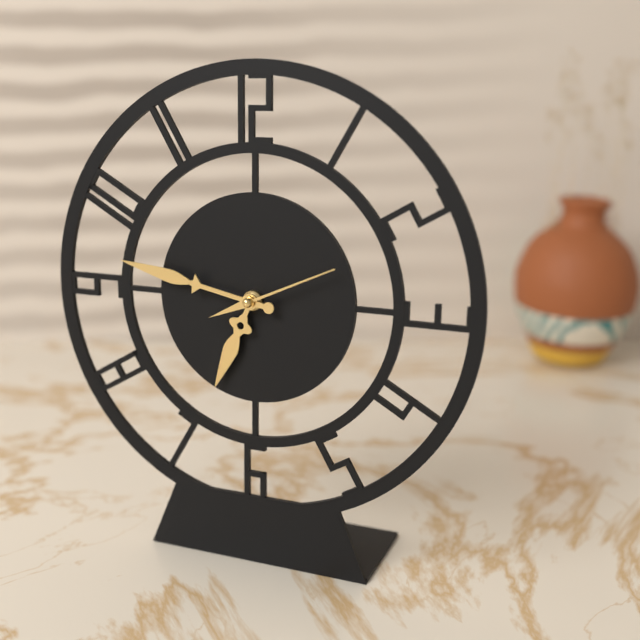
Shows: h=6 m=47 s=11
